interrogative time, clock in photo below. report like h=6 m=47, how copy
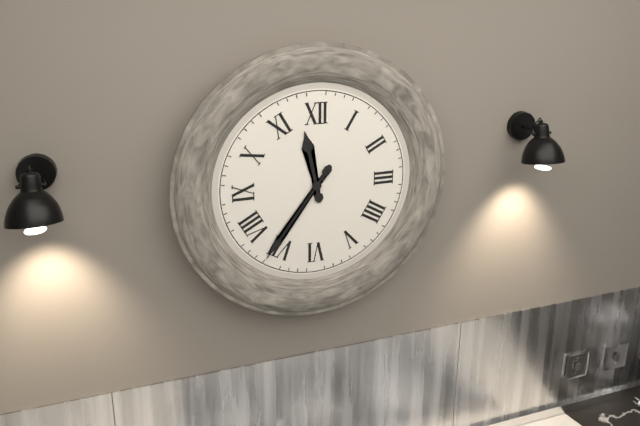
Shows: h=11 m=36
